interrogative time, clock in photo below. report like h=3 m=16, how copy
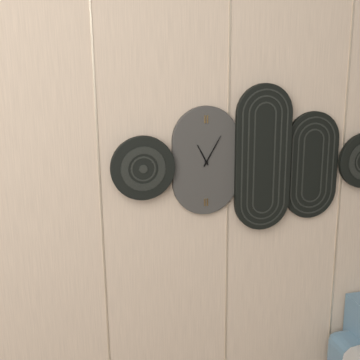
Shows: h=11 m=5
